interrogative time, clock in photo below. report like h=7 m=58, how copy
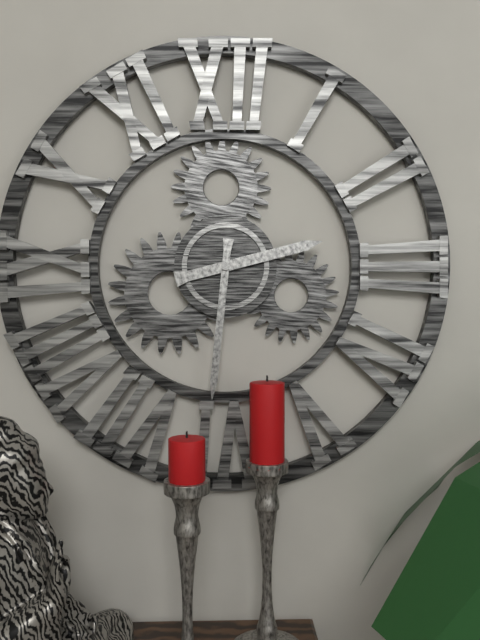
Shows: h=2 m=31
